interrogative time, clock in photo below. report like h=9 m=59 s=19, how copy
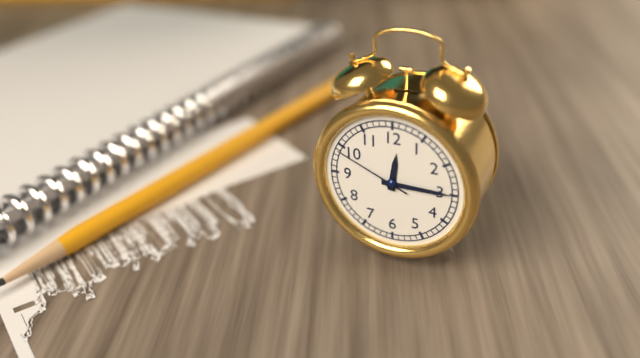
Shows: h=12 m=15 s=49
